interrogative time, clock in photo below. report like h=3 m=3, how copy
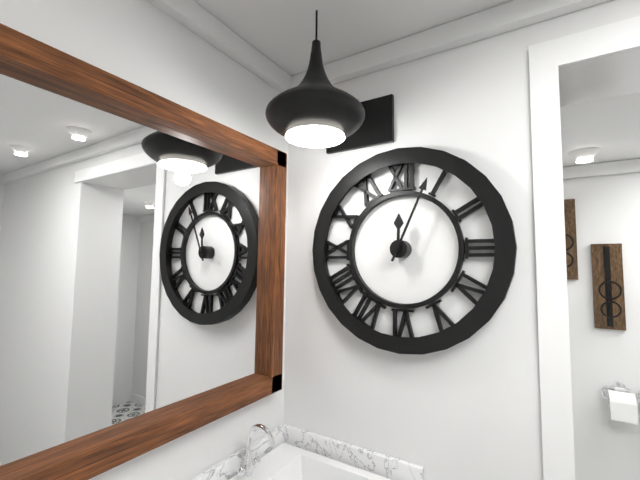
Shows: h=12 m=4
